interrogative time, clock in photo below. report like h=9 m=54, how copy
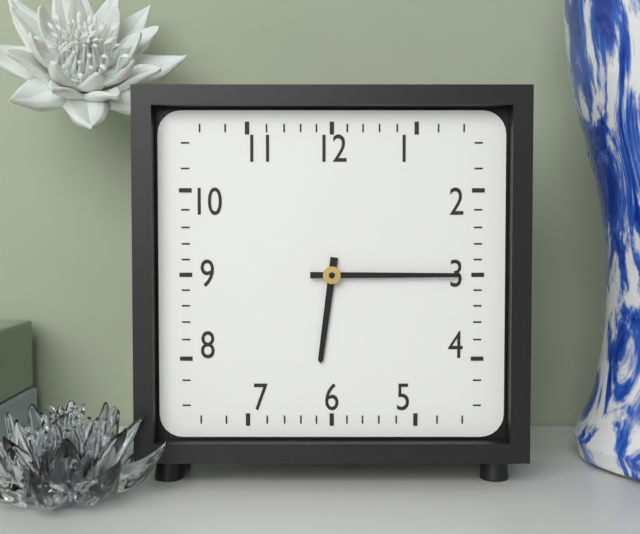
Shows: h=6 m=15
